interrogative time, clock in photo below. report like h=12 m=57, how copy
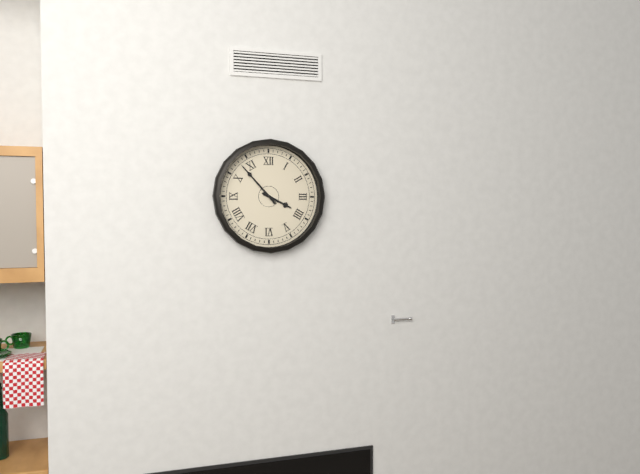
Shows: h=3 m=53
